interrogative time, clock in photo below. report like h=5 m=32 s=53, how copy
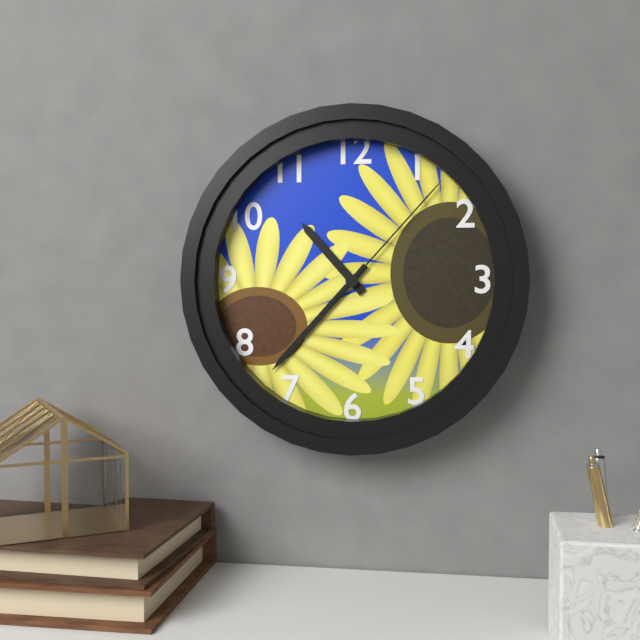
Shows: h=10 m=37 s=7
